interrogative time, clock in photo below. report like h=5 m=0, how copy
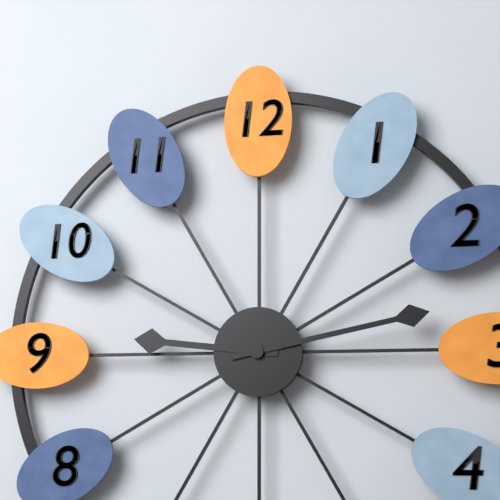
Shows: h=9 m=13
